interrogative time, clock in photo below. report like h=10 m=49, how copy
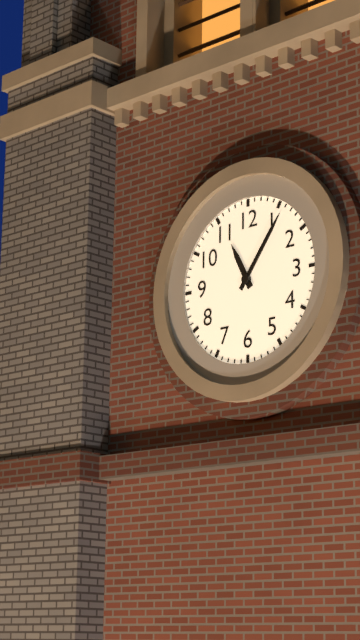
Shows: h=11 m=6
